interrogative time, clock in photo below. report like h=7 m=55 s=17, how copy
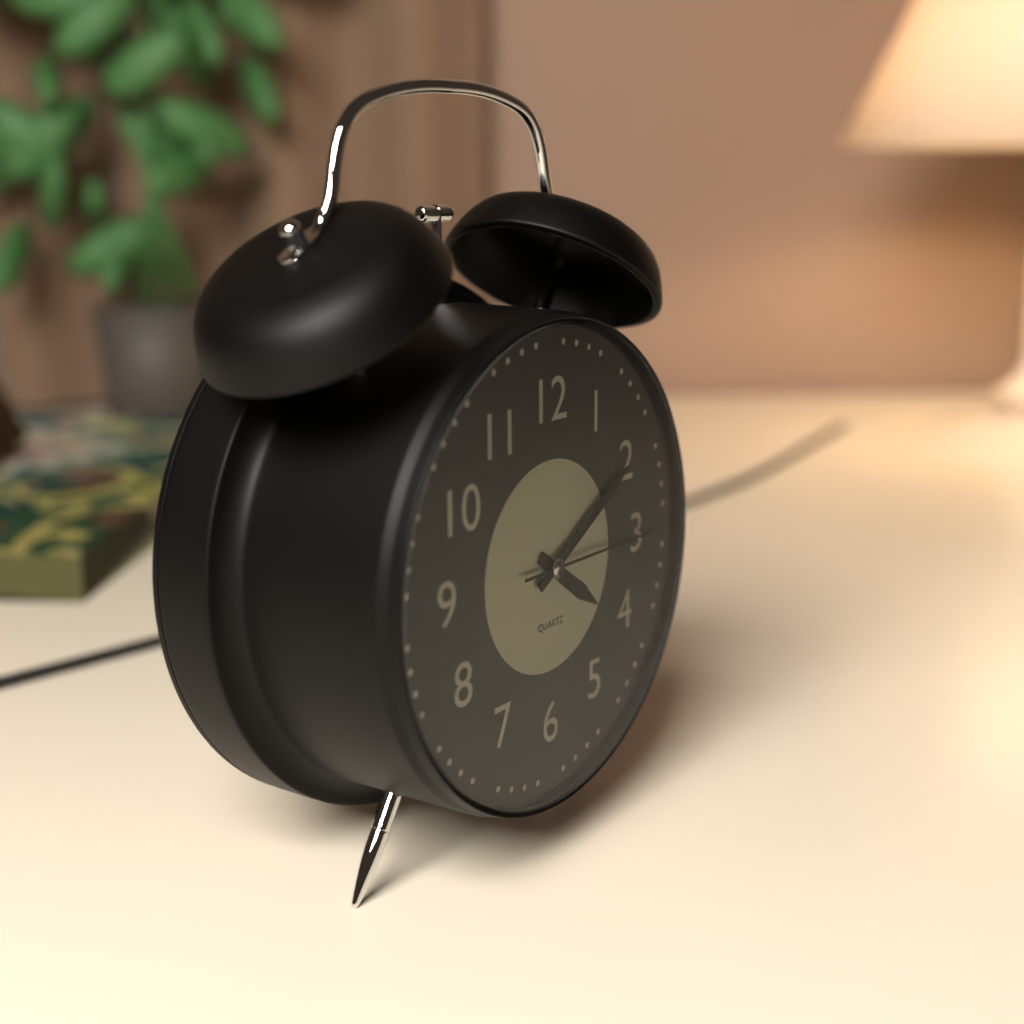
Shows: h=4 m=10 s=15
